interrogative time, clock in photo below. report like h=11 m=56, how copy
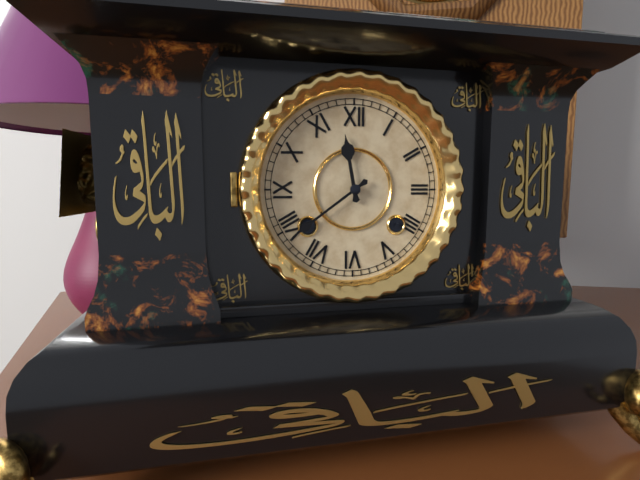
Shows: h=11 m=39
